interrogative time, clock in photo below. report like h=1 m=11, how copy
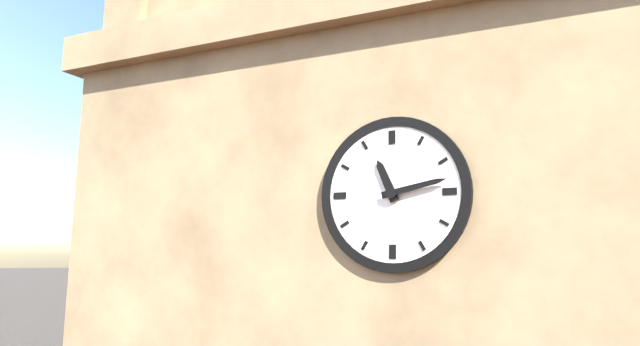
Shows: h=11 m=13
